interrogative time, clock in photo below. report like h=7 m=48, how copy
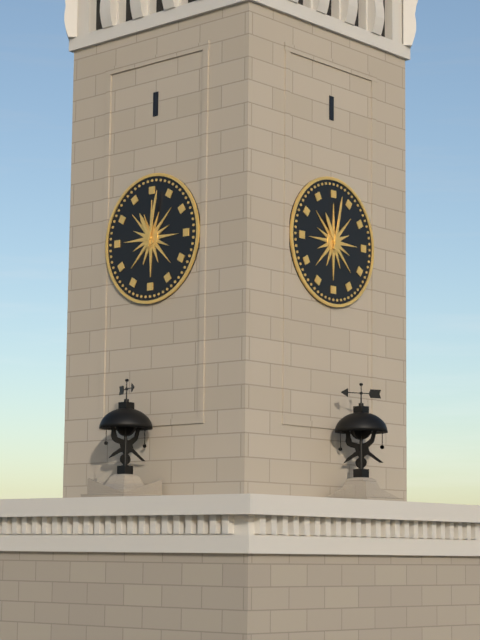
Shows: h=11 m=2
